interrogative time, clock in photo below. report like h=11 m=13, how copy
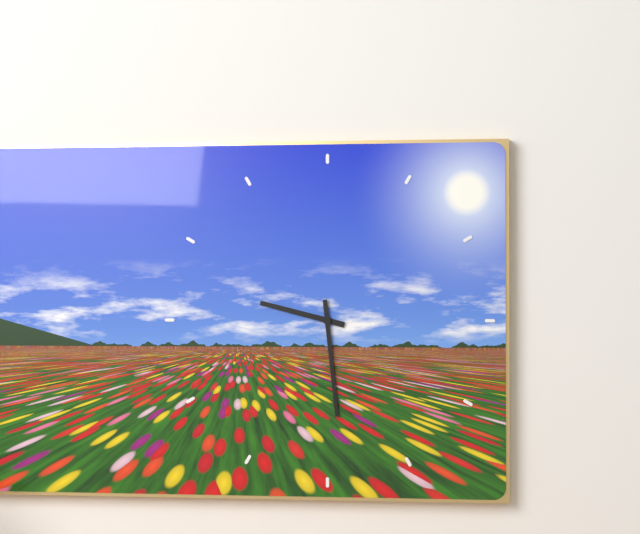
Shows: h=9 m=29
